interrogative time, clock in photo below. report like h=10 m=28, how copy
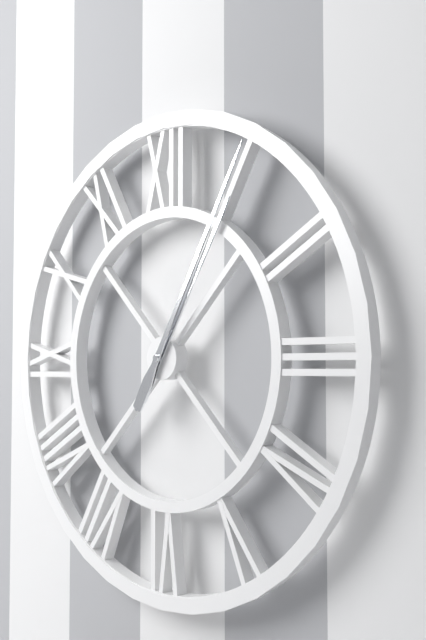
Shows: h=1 m=5
